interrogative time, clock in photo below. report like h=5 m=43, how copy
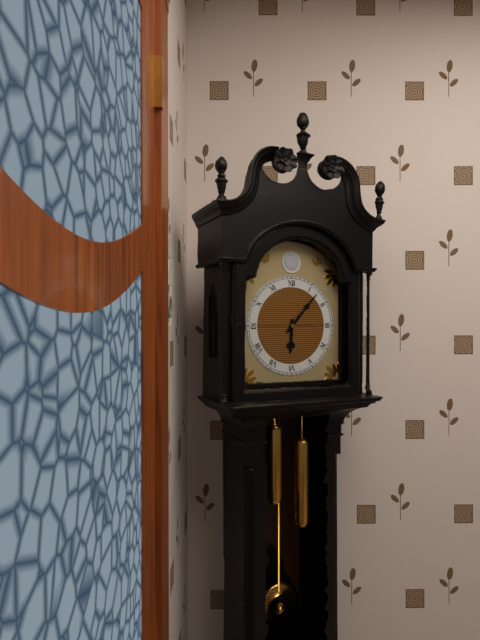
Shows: h=6 m=7
